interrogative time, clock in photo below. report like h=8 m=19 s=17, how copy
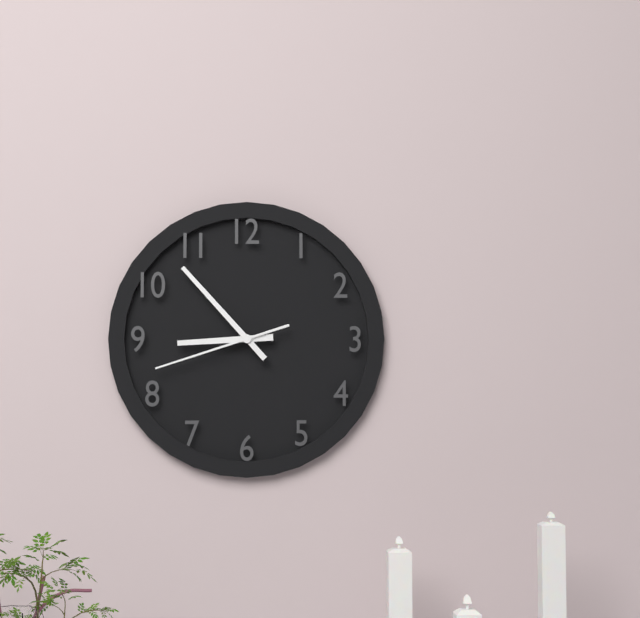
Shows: h=8 m=53 s=42
